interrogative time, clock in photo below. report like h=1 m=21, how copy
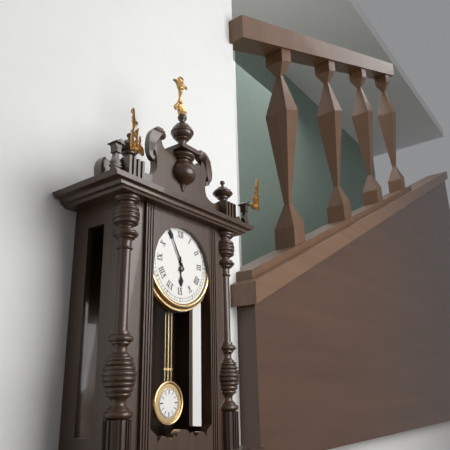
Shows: h=5 m=55
